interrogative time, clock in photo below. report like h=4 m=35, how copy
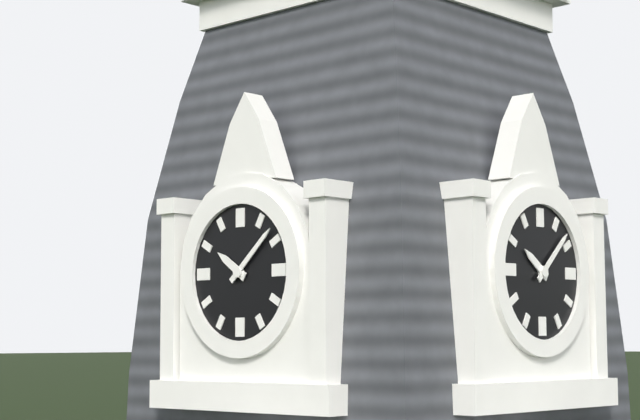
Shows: h=10 m=8
